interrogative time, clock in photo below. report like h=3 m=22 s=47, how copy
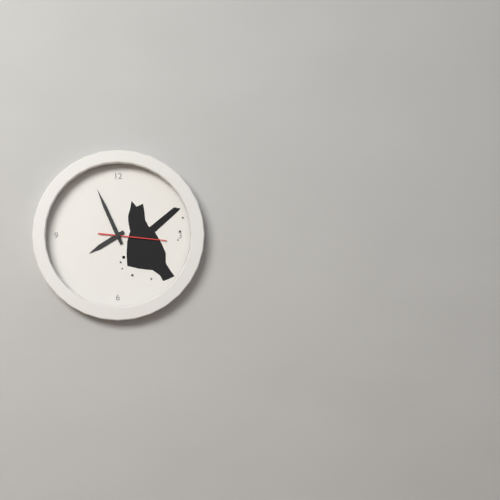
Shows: h=7 m=56 s=16
